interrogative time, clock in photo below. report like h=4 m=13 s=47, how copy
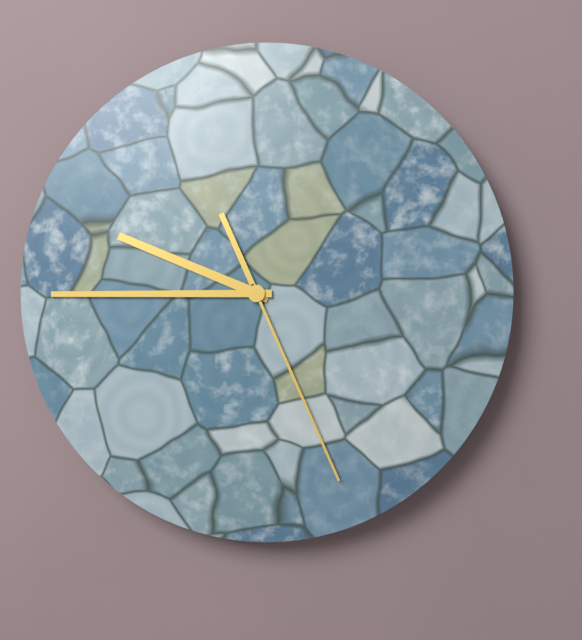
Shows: h=9 m=45 s=26
